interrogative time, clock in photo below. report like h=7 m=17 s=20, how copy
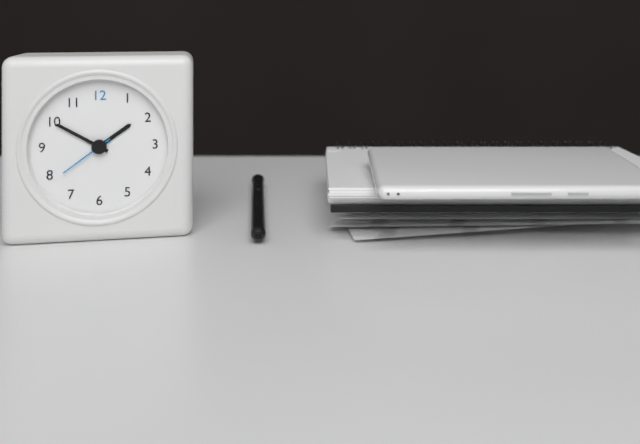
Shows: h=1 m=50 s=39
